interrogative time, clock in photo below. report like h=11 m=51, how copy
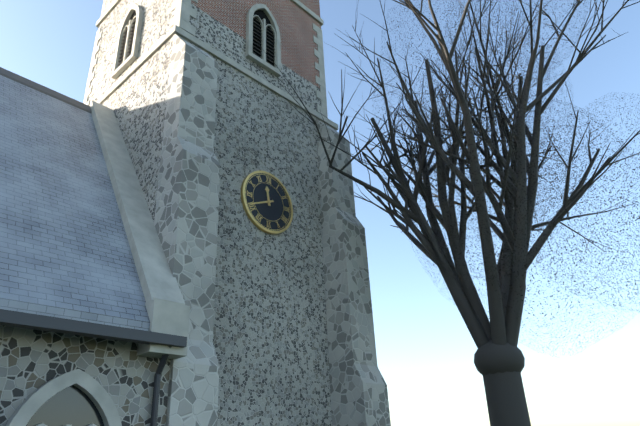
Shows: h=11 m=41
